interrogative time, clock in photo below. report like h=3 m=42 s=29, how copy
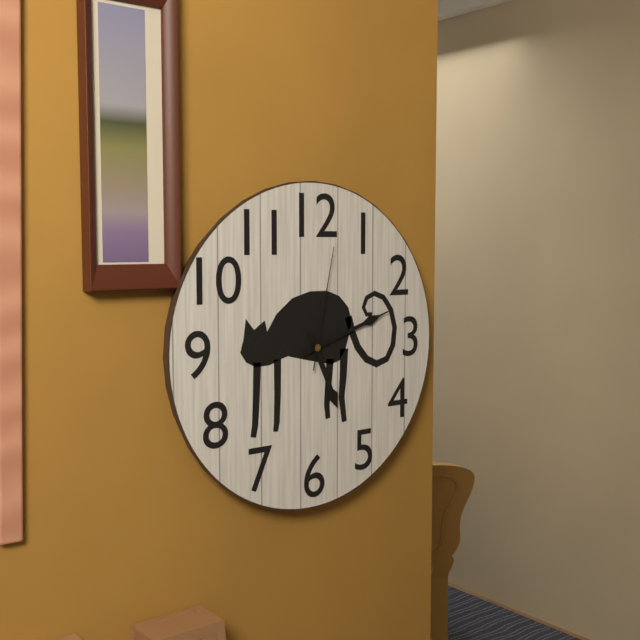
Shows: h=5 m=12 s=2
